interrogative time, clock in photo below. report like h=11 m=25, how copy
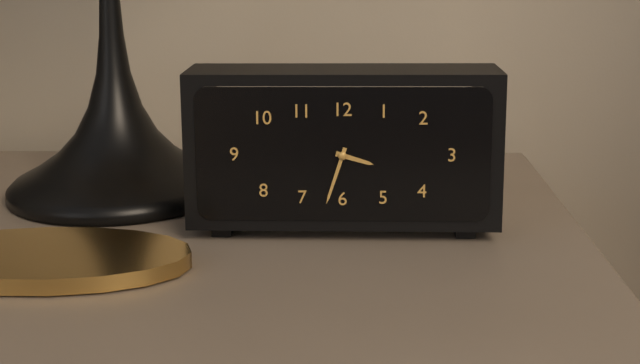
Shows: h=3 m=33
